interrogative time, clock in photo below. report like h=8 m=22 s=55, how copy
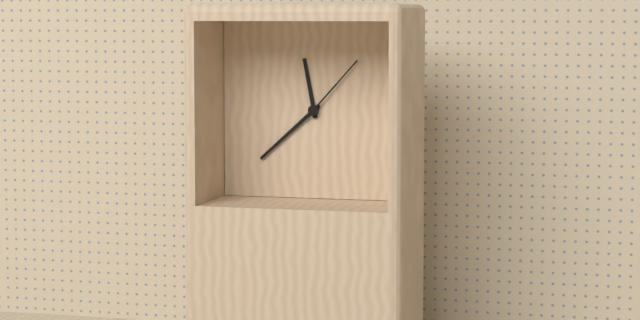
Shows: h=11 m=38 s=7
